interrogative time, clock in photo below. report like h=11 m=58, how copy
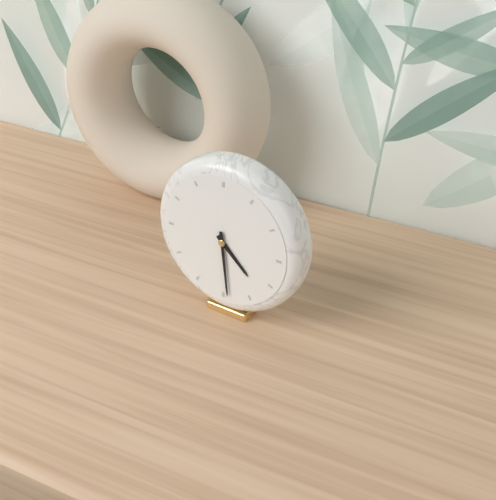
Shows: h=4 m=29
